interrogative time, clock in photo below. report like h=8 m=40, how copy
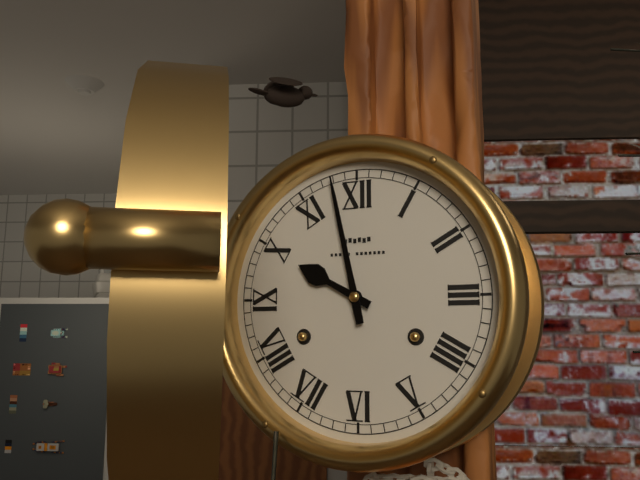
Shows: h=9 m=58
